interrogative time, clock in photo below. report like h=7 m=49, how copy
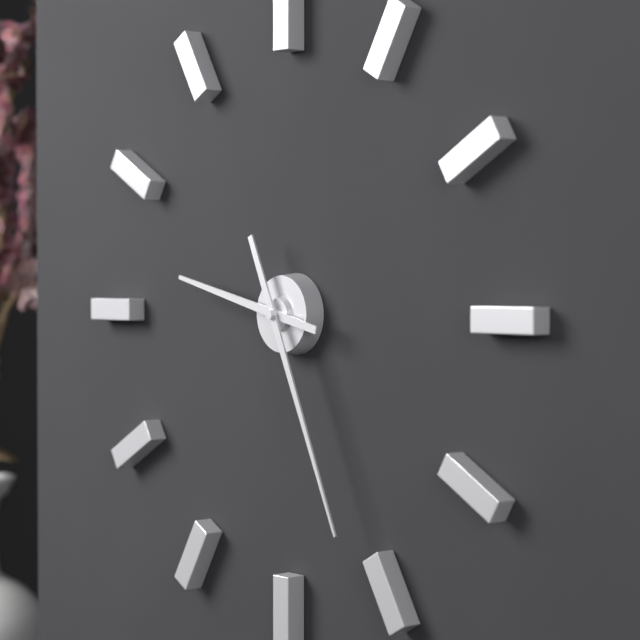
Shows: h=9 m=26
